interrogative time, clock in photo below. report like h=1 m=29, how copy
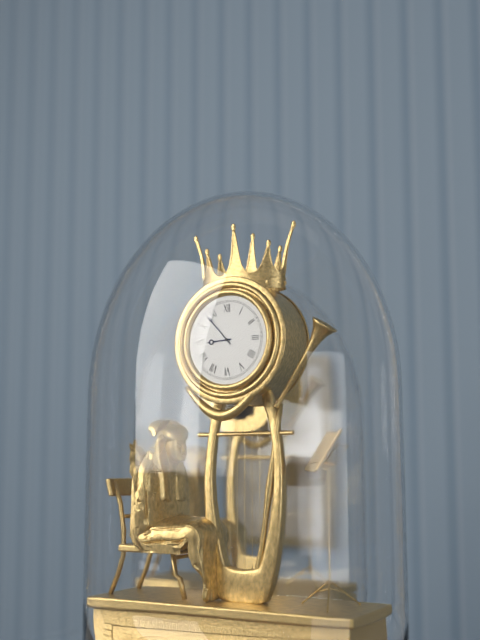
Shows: h=8 m=53
